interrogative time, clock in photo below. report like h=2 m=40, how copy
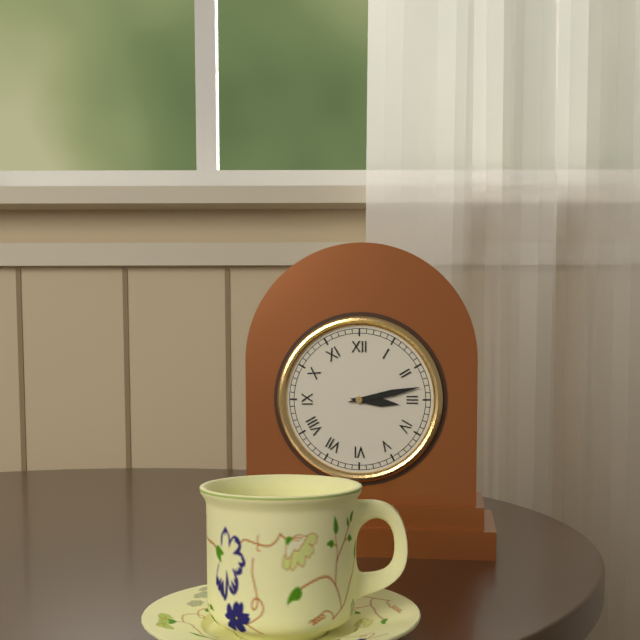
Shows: h=3 m=13
